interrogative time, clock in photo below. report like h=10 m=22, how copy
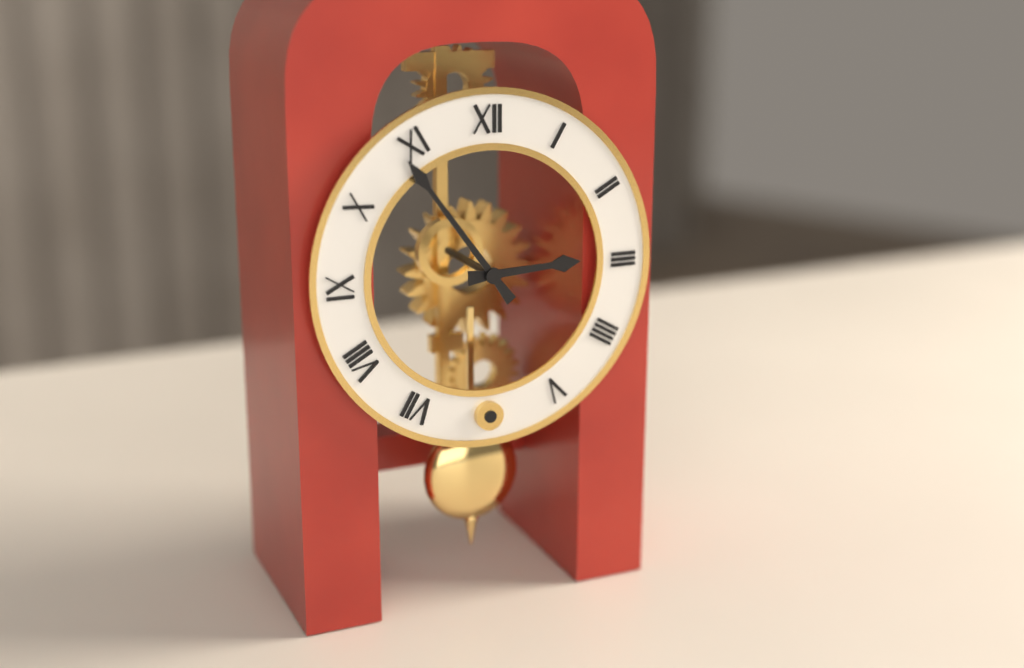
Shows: h=2 m=54
